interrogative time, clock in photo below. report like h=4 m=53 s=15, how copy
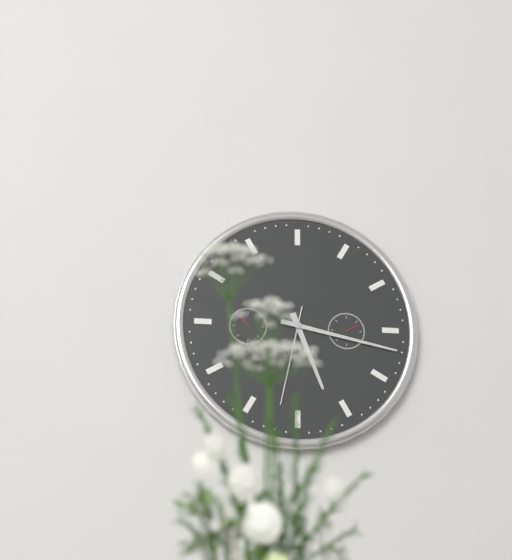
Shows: h=5 m=17 s=32
